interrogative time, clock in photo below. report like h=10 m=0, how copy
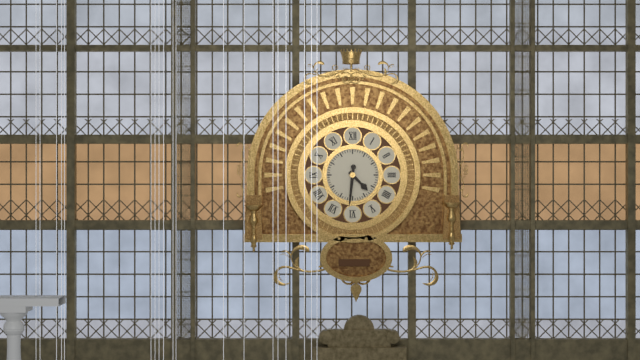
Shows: h=4 m=31
